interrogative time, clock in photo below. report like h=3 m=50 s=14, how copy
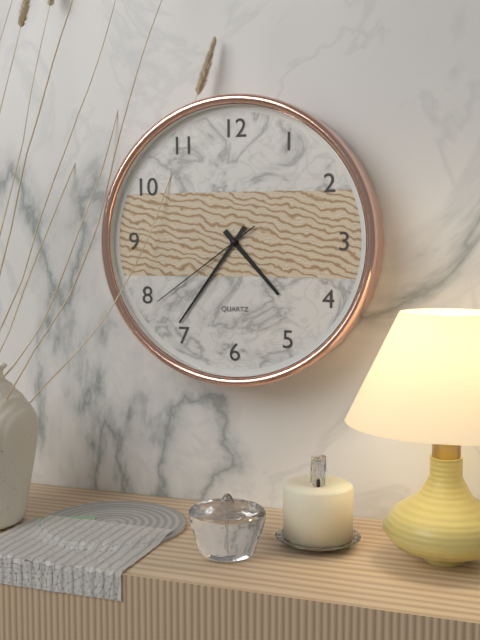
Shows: h=4 m=36 s=39
